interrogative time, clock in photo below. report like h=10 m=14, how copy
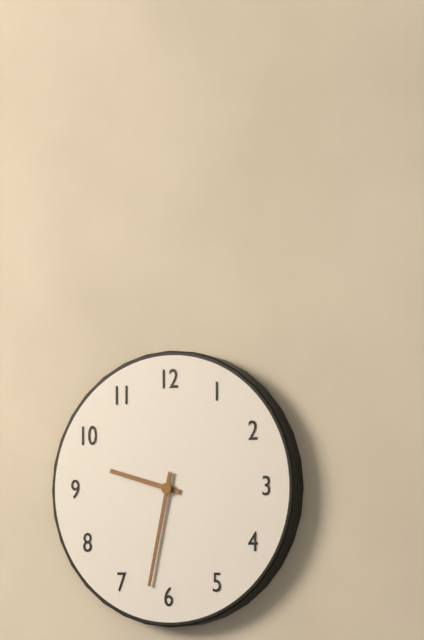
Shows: h=9 m=32
